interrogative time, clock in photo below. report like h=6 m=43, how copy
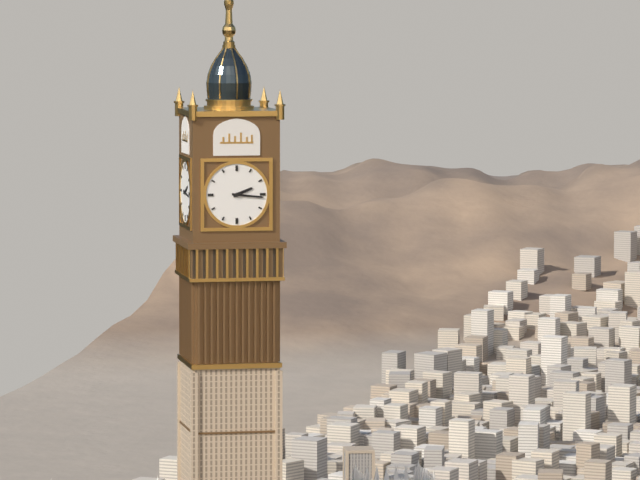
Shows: h=2 m=16
